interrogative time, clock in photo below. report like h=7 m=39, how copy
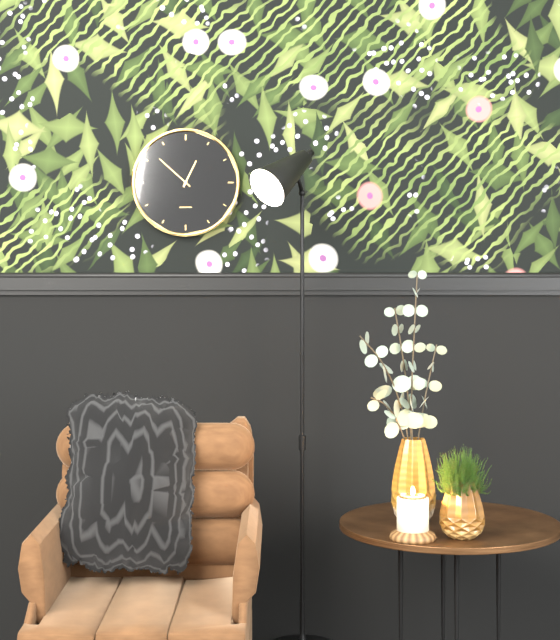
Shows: h=12 m=52
